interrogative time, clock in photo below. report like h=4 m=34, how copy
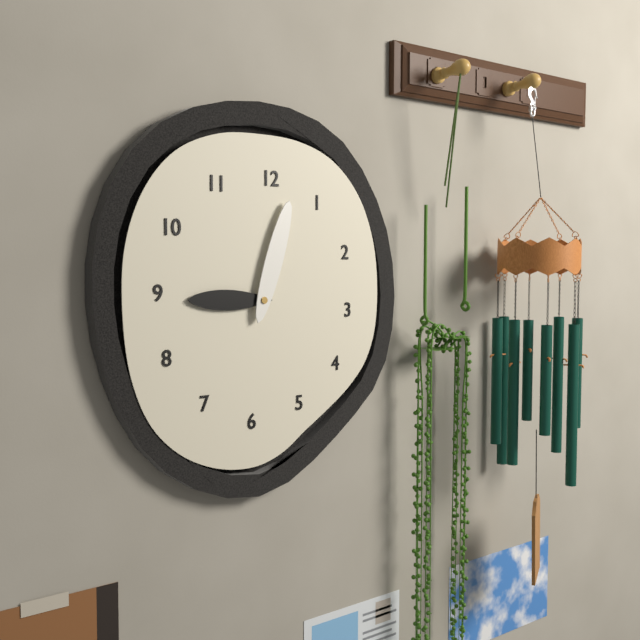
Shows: h=9 m=3
